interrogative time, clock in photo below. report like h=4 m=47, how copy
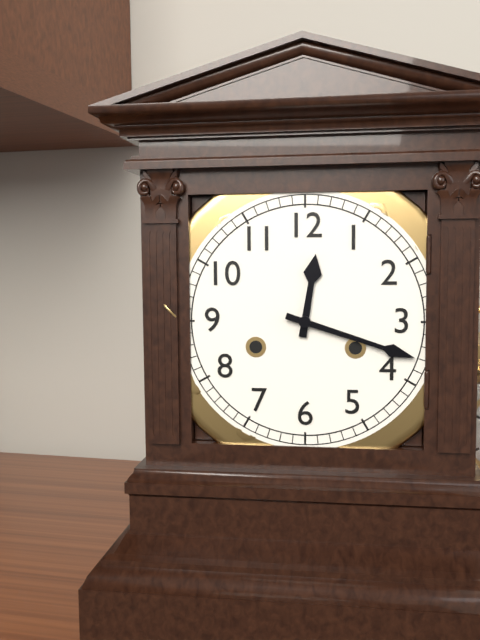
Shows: h=12 m=18
